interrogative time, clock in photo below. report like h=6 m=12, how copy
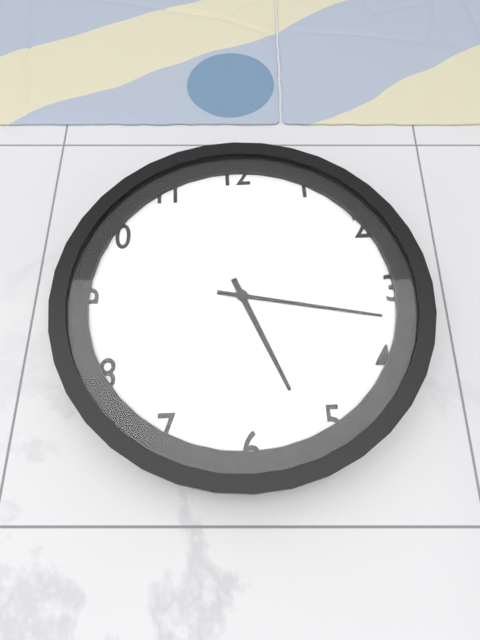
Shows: h=5 m=17
